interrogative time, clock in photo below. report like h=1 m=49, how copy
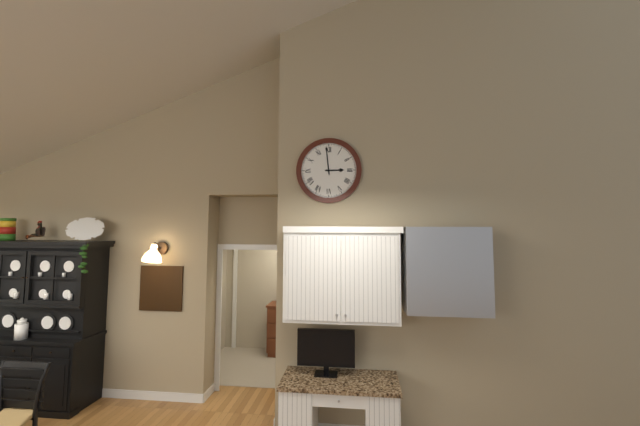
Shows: h=2 m=59
